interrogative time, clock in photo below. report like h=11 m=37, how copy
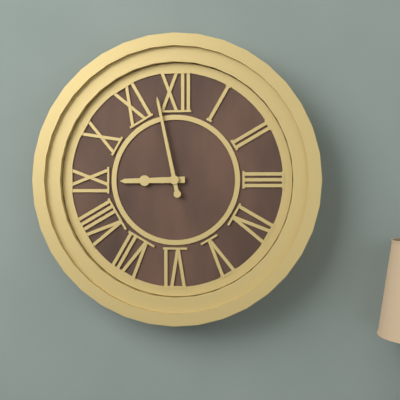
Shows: h=8 m=58
